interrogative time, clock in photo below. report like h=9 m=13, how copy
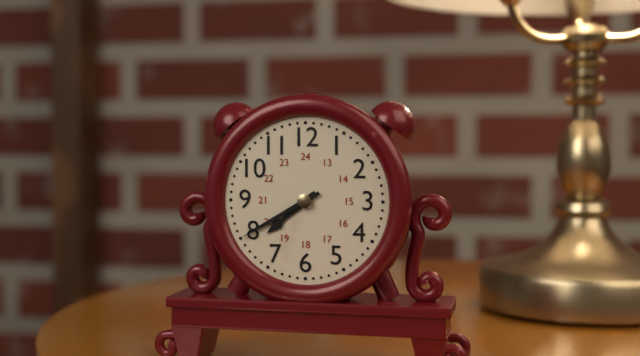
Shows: h=7 m=40
